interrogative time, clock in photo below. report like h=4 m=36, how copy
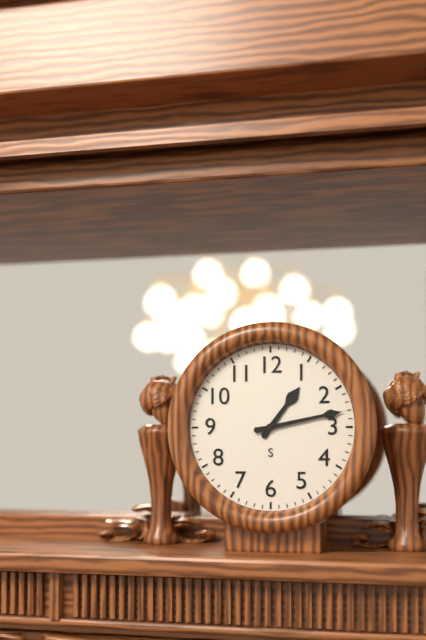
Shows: h=1 m=13
